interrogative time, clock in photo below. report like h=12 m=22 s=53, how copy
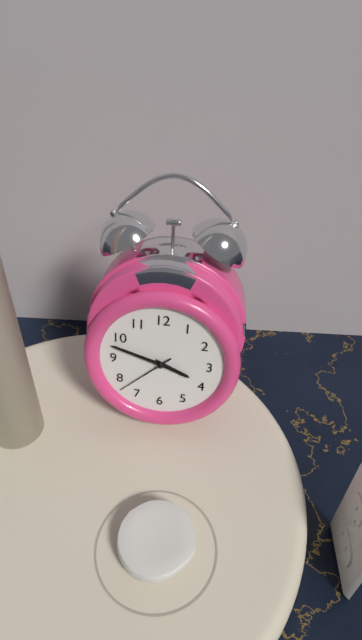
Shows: h=3 m=48 s=38
